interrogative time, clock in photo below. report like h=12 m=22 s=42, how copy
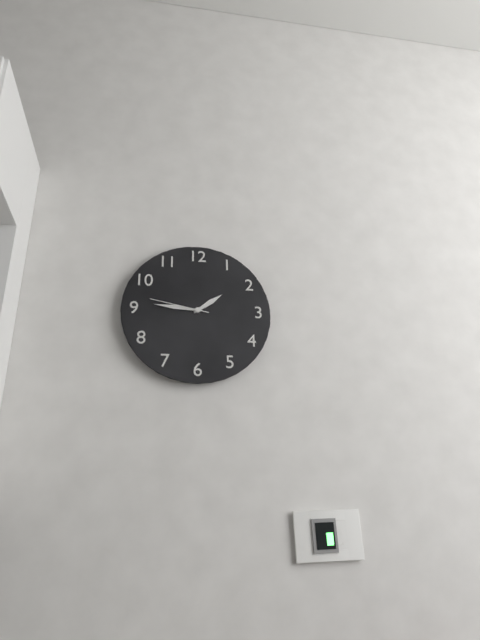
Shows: h=1 m=46 s=47
